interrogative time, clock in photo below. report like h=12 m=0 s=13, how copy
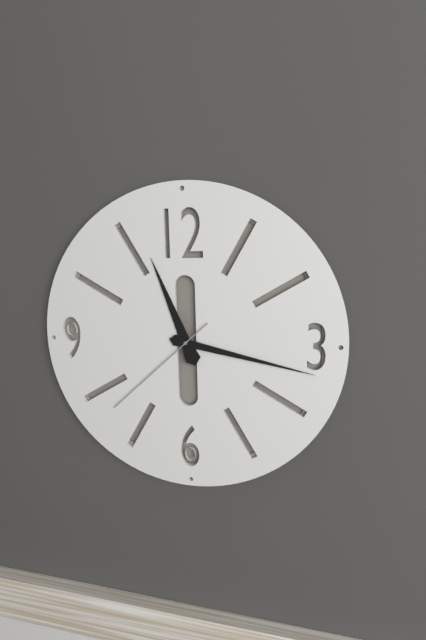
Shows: h=11 m=17 s=38
